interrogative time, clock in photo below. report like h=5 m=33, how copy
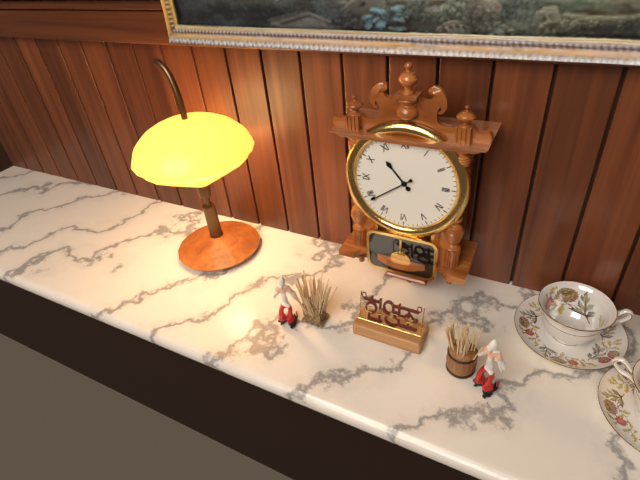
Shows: h=10 m=39
